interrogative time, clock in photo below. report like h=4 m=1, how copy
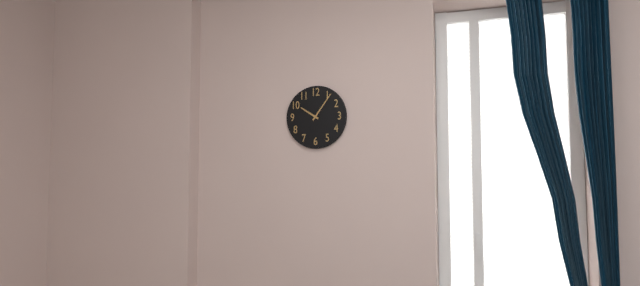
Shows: h=10 m=6
